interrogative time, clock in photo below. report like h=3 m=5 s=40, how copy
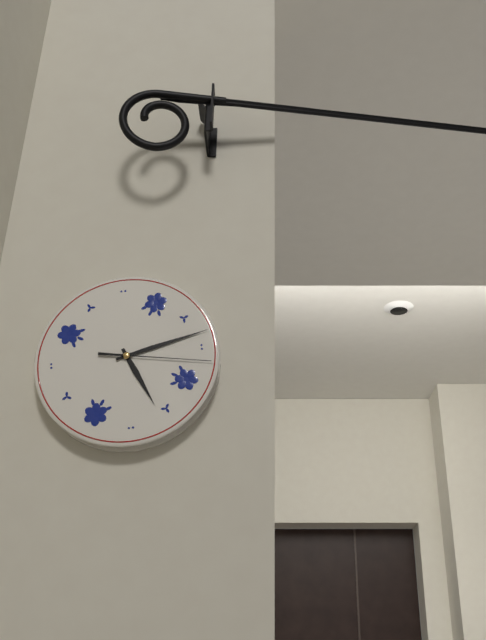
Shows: h=5 m=13 s=17
